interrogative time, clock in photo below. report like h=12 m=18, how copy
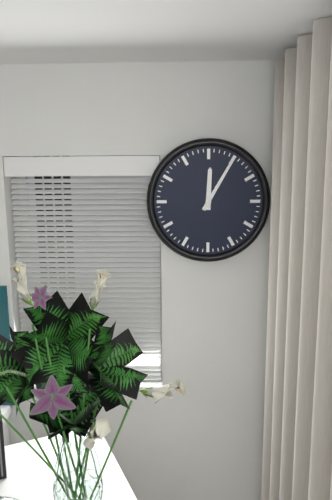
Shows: h=12 m=5
